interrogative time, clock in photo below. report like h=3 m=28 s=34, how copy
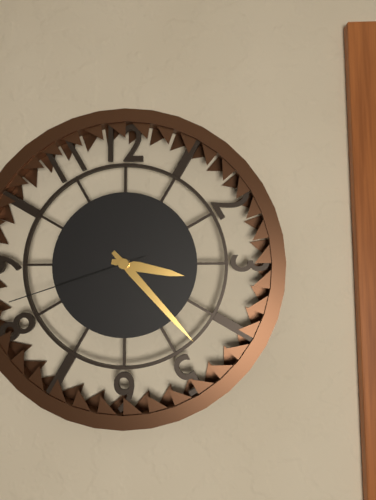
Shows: h=3 m=23 s=42
